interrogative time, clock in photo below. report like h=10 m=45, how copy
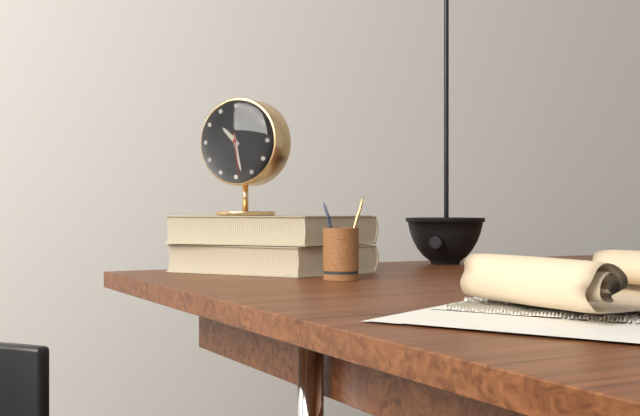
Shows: h=10 m=28
